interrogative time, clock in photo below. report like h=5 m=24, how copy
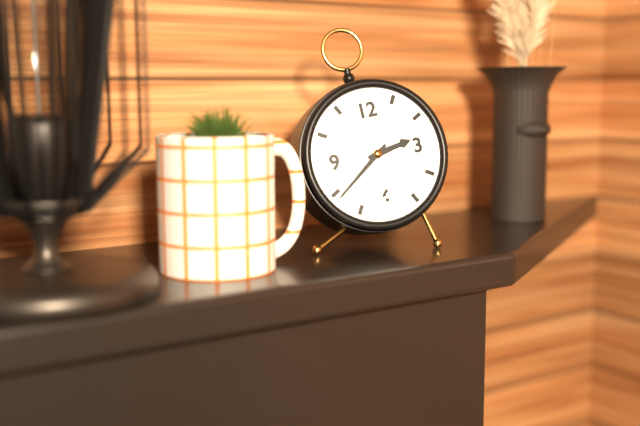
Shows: h=2 m=39
